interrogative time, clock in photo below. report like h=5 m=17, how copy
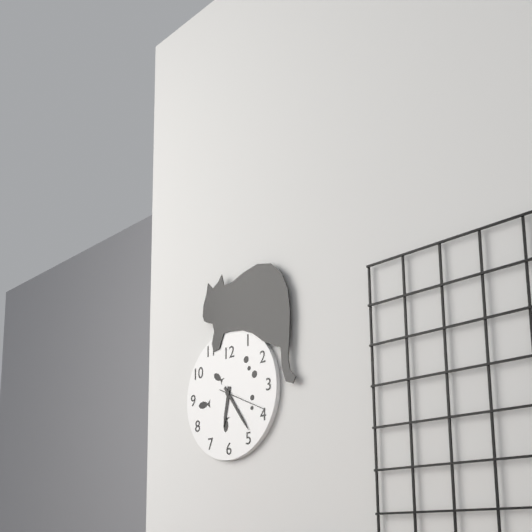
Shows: h=6 m=24
